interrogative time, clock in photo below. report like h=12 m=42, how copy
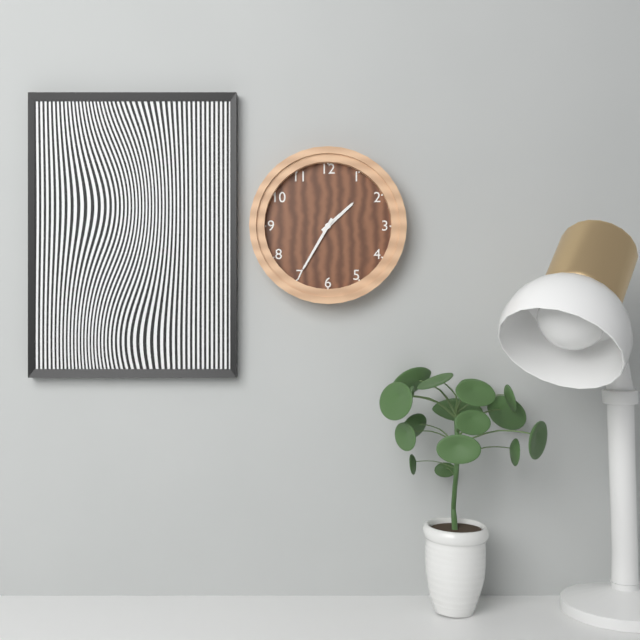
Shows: h=1 m=35
